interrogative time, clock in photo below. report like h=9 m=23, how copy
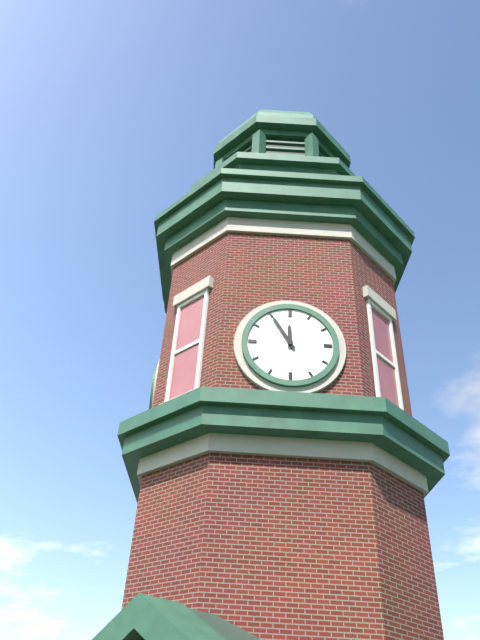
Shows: h=11 m=55
